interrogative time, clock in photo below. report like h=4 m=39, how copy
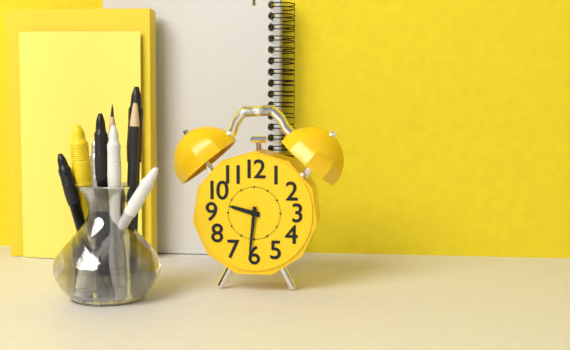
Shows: h=9 m=31
